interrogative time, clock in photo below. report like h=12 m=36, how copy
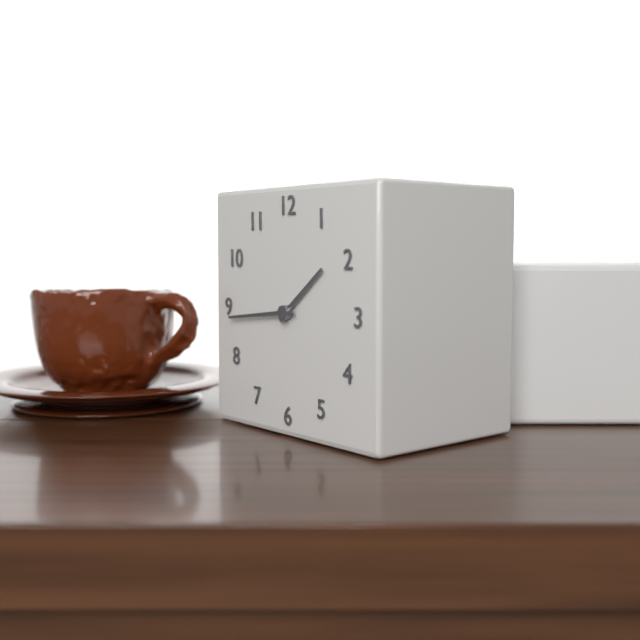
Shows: h=1 m=44
